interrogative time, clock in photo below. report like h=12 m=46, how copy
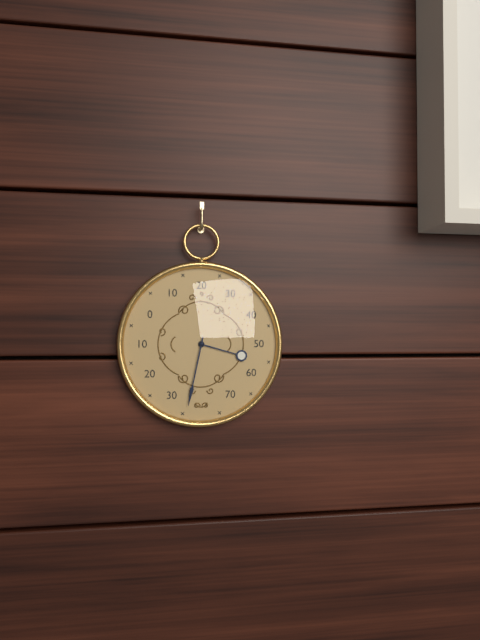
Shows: h=3 m=32
